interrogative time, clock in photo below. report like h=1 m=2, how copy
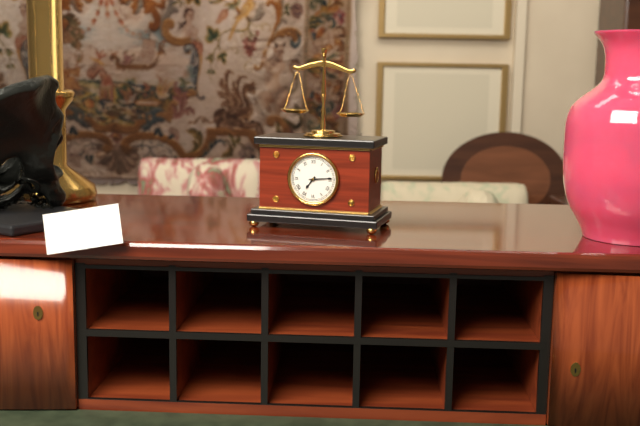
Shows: h=7 m=14
